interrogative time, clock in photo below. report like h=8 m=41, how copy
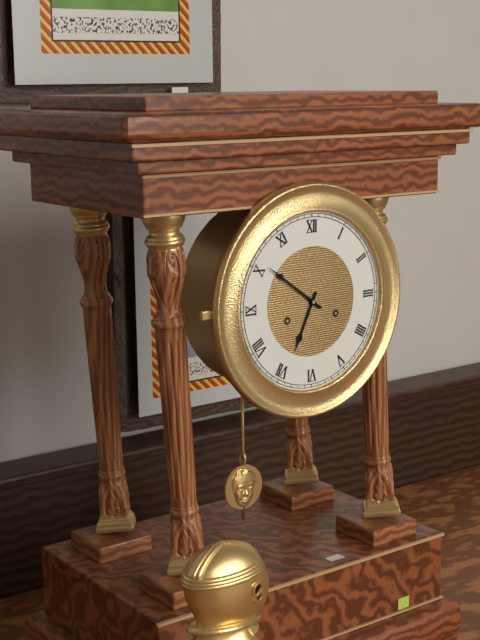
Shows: h=6 m=51
